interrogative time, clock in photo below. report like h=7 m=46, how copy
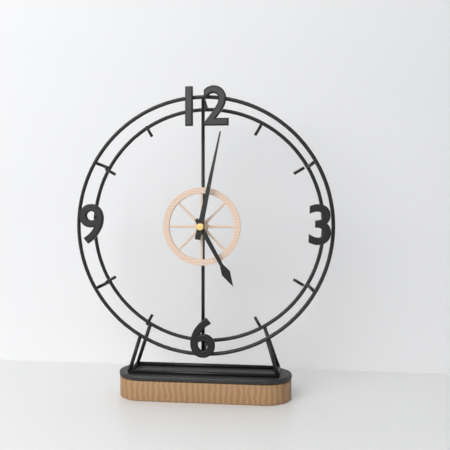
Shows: h=5 m=2
